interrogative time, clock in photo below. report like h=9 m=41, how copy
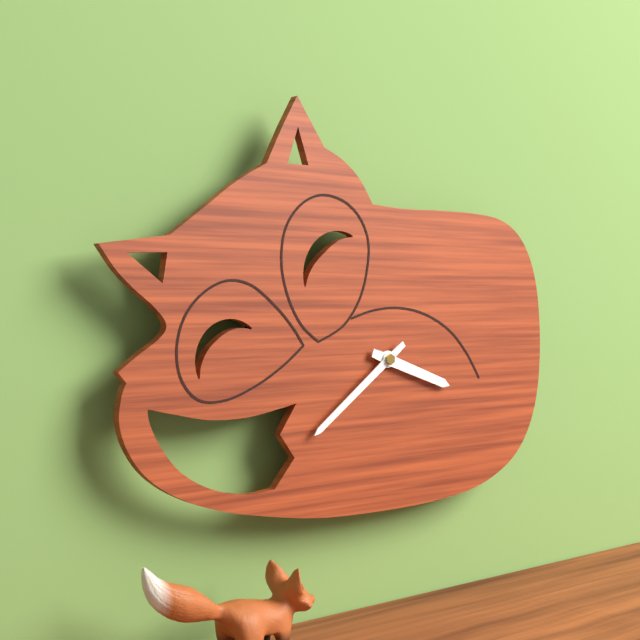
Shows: h=3 m=39
